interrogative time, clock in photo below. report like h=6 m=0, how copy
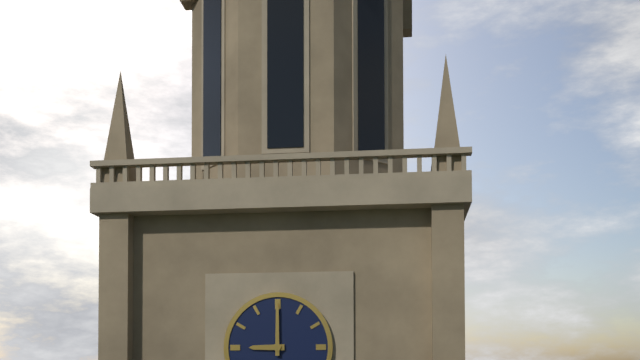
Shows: h=9 m=0
